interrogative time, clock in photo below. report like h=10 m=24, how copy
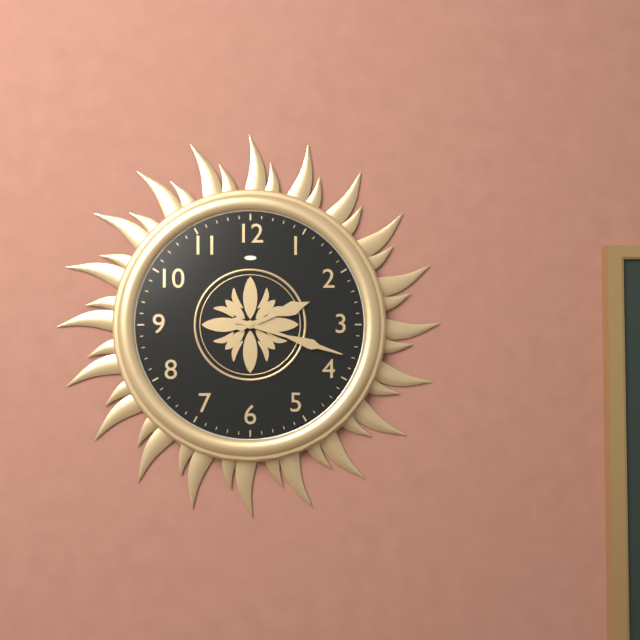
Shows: h=2 m=18
